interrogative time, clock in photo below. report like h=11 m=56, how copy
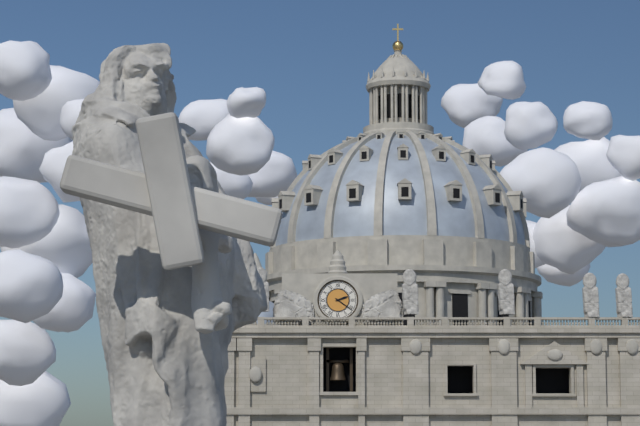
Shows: h=2 m=21
